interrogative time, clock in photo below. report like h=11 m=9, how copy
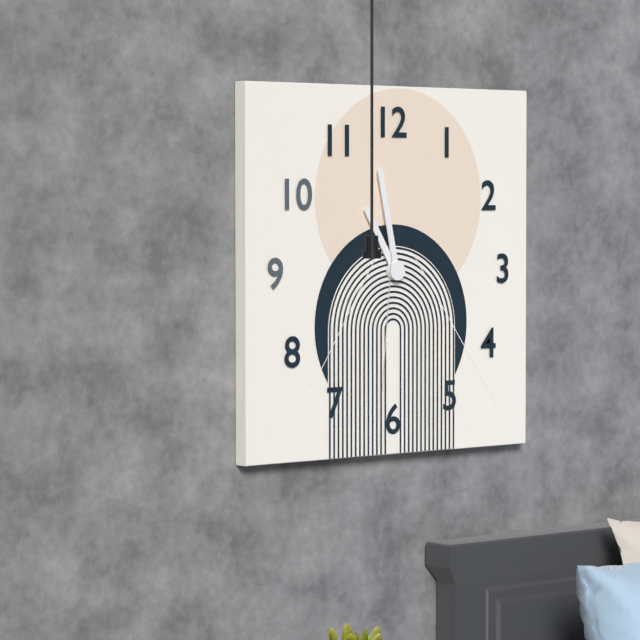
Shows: h=10 m=58
